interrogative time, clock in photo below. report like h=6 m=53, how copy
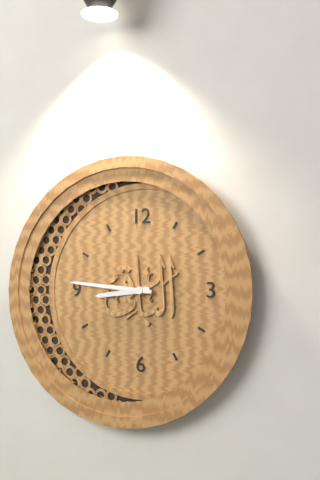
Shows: h=8 m=46
